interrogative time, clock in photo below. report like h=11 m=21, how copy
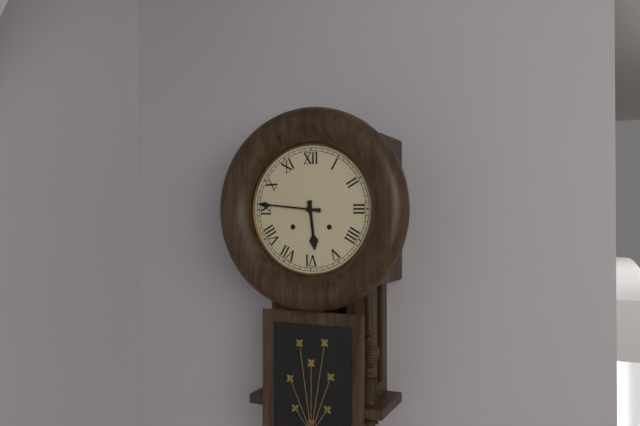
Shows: h=5 m=46
